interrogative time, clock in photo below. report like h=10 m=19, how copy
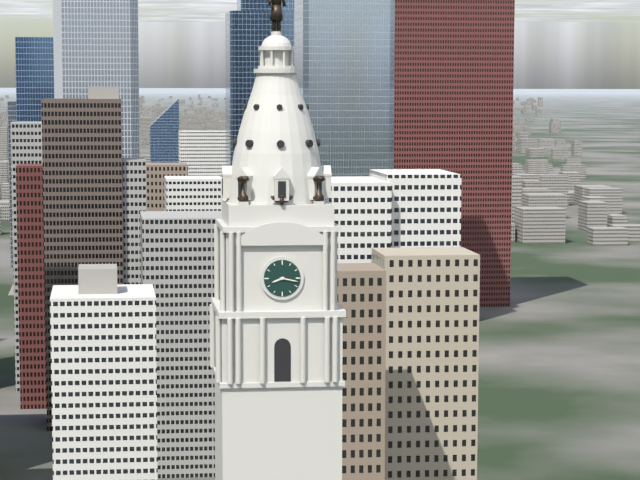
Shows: h=8 m=17
